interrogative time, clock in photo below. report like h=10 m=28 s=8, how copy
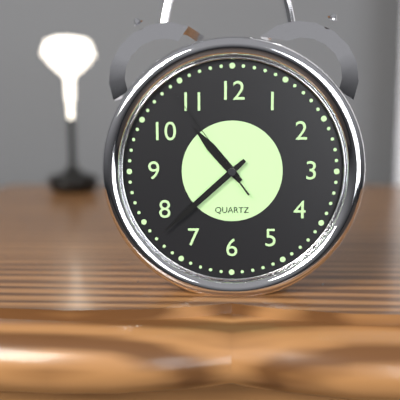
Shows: h=10 m=38 s=54
